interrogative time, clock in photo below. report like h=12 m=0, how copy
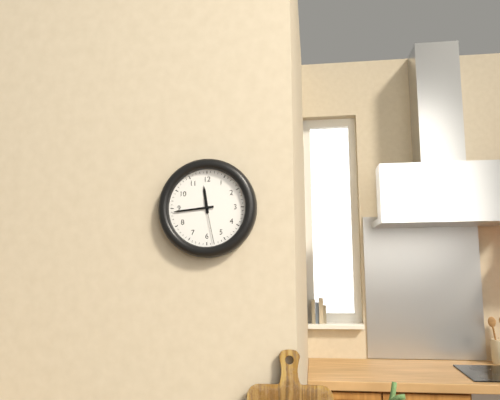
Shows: h=11 m=44
